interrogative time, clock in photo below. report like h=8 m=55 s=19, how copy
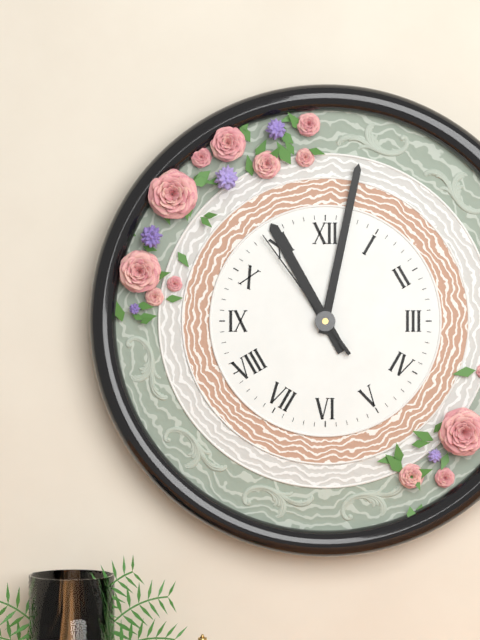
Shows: h=11 m=2 s=54
